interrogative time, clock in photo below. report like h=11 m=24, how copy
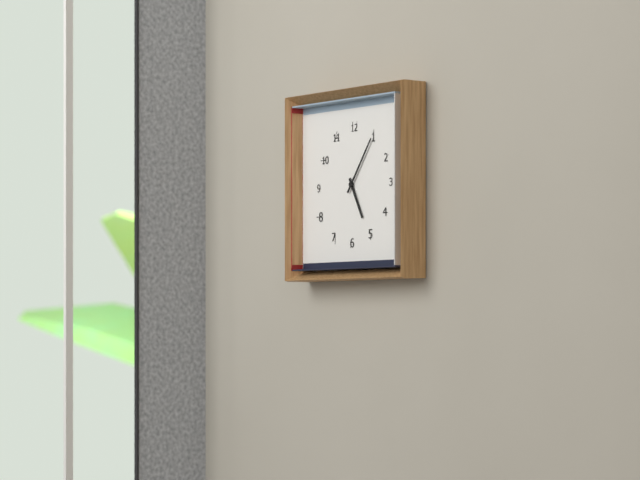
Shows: h=5 m=6
